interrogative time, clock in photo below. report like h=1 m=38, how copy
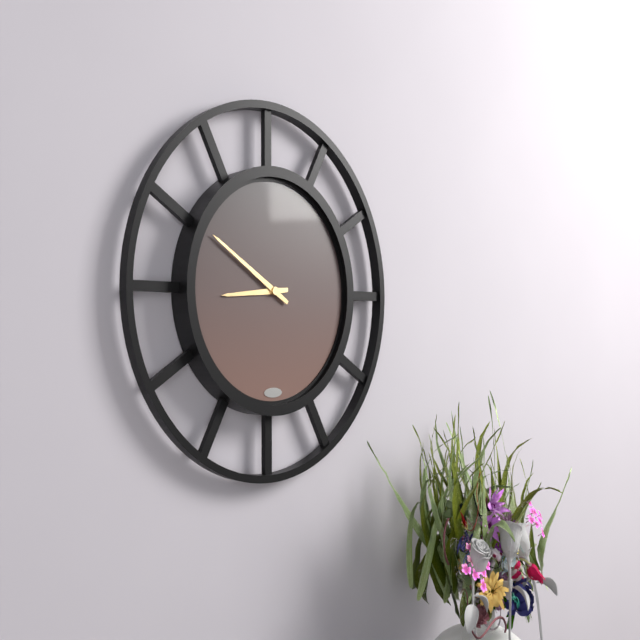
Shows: h=8 m=50
